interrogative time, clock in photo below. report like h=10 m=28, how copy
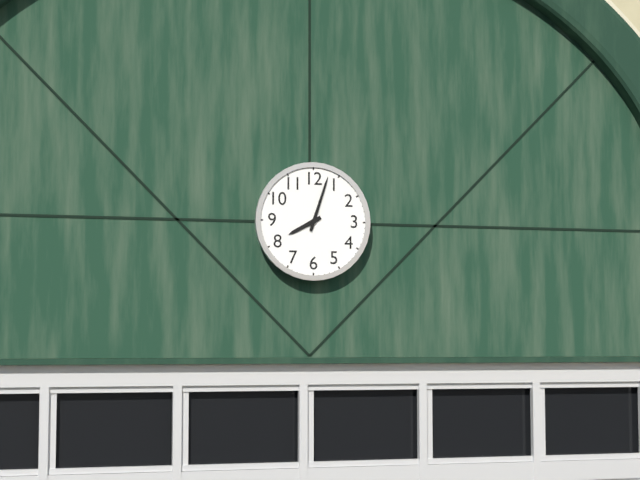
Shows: h=8 m=3
